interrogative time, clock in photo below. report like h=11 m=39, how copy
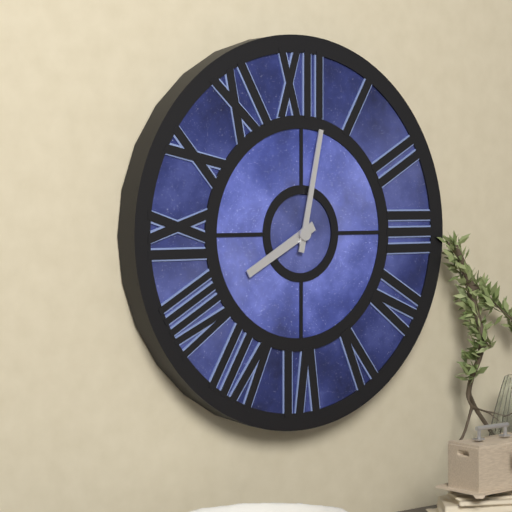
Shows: h=8 m=2
